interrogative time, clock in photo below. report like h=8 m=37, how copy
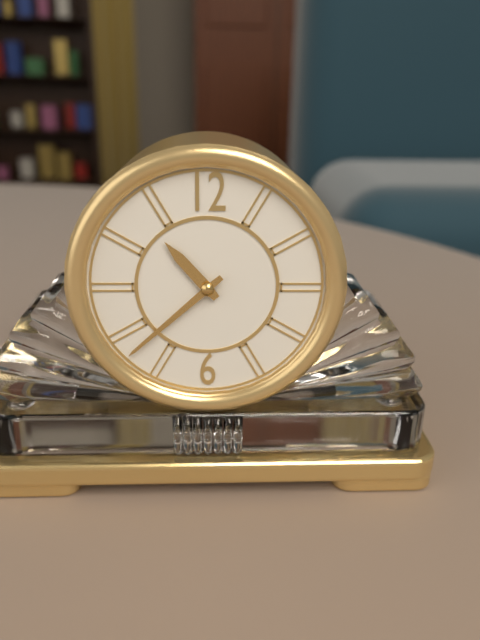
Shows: h=10 m=38
